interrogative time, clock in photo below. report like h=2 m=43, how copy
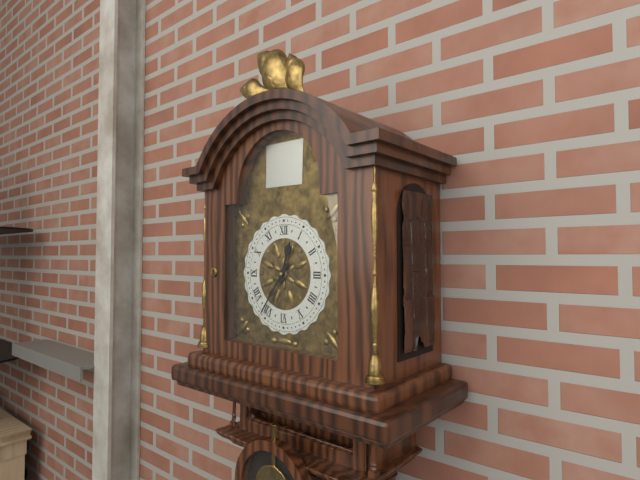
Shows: h=12 m=36
